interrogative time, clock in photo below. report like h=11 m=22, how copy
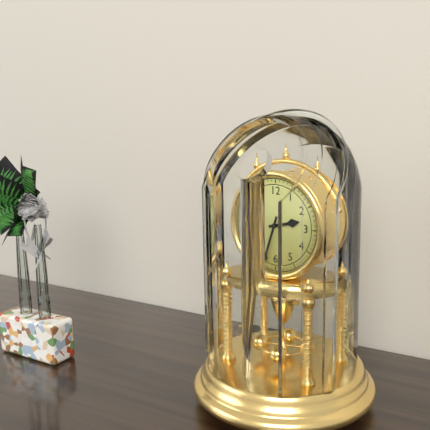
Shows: h=2 m=33
